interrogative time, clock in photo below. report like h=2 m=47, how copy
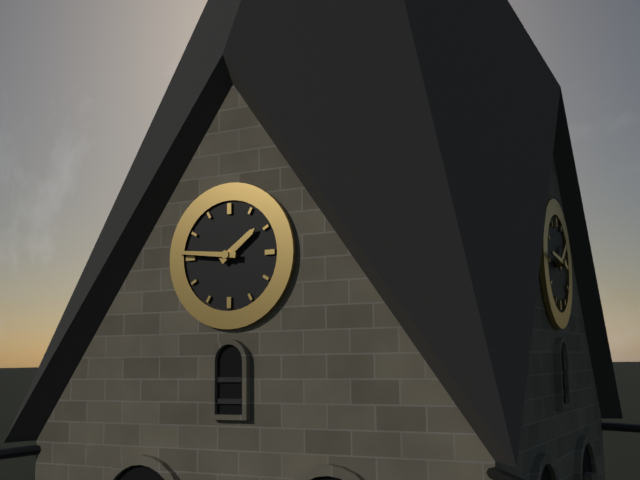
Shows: h=1 m=46
